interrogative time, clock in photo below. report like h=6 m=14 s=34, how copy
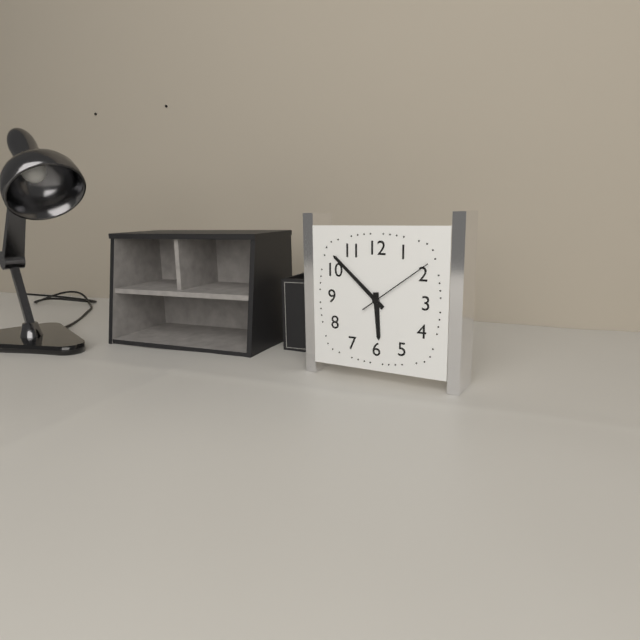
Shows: h=5 m=52 s=9
